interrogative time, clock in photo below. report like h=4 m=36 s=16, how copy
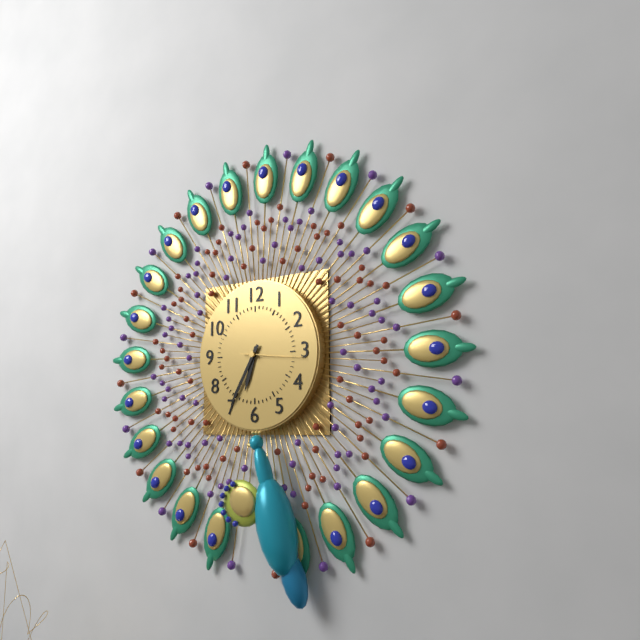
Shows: h=6 m=35 s=16
